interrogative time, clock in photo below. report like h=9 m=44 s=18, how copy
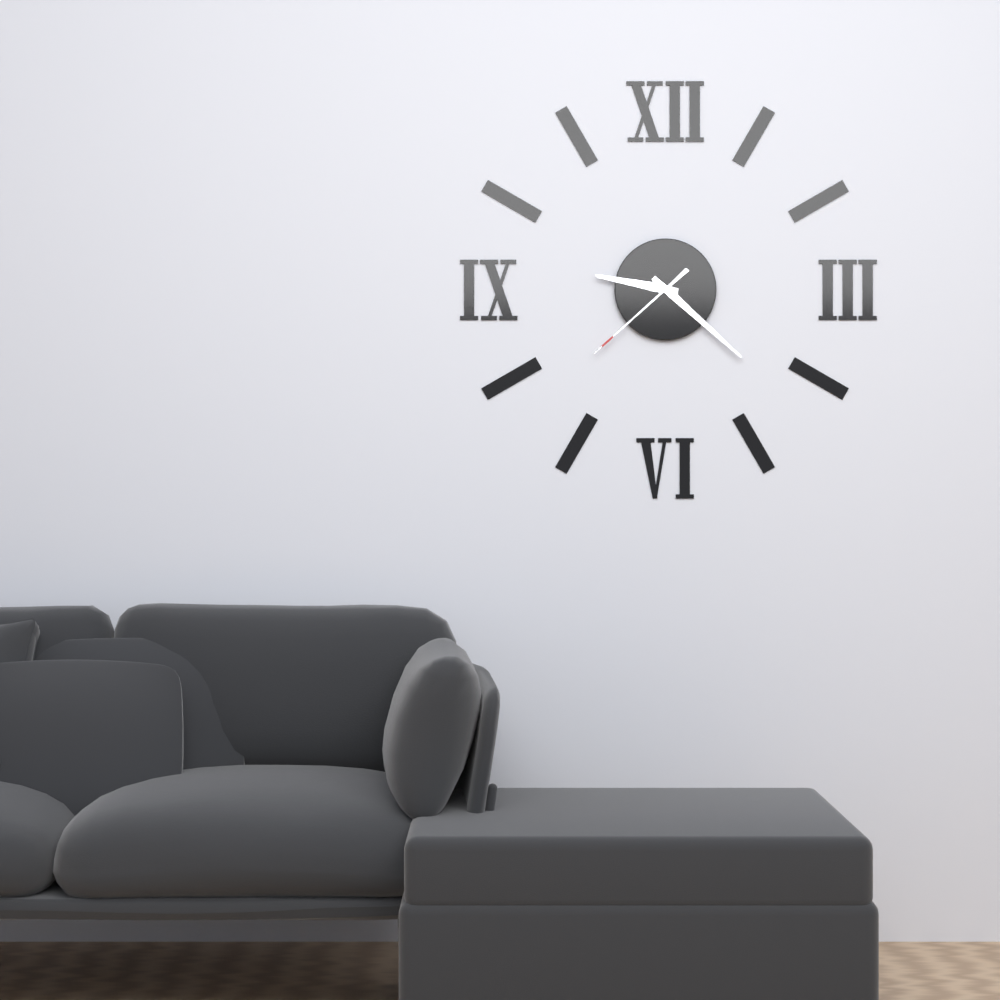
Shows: h=9 m=22 s=38
